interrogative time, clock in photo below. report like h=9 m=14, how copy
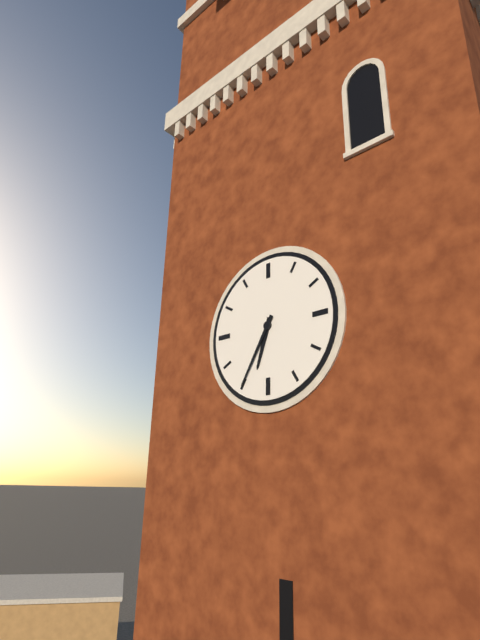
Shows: h=6 m=35
